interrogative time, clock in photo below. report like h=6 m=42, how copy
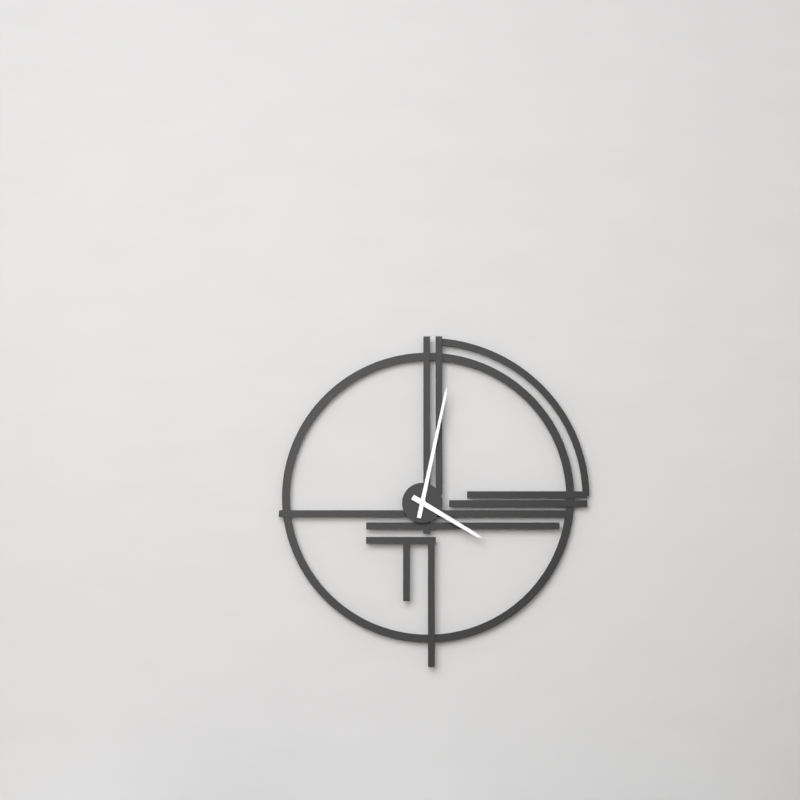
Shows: h=4 m=2
